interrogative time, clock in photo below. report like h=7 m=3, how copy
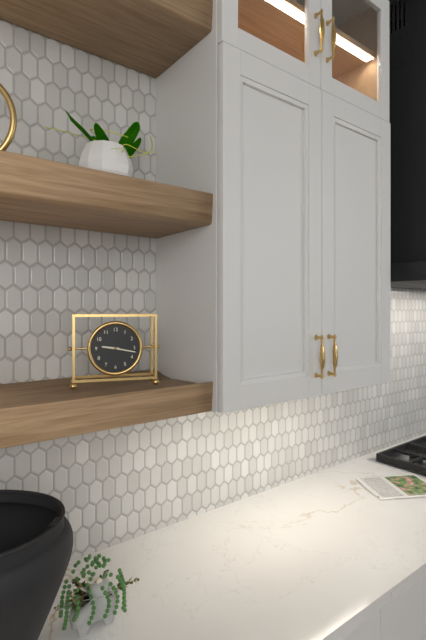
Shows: h=9 m=17
